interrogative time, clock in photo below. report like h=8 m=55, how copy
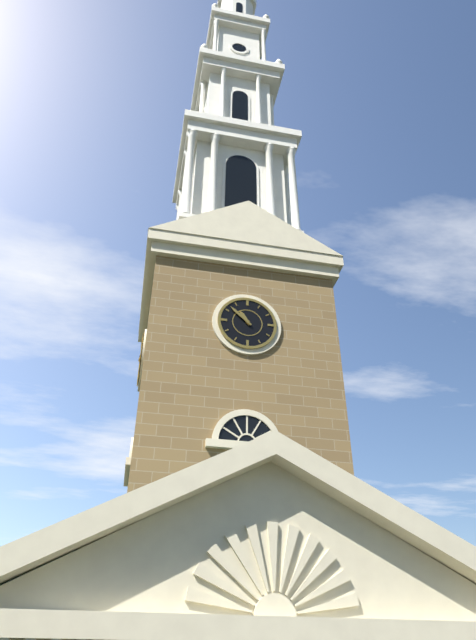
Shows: h=10 m=52
